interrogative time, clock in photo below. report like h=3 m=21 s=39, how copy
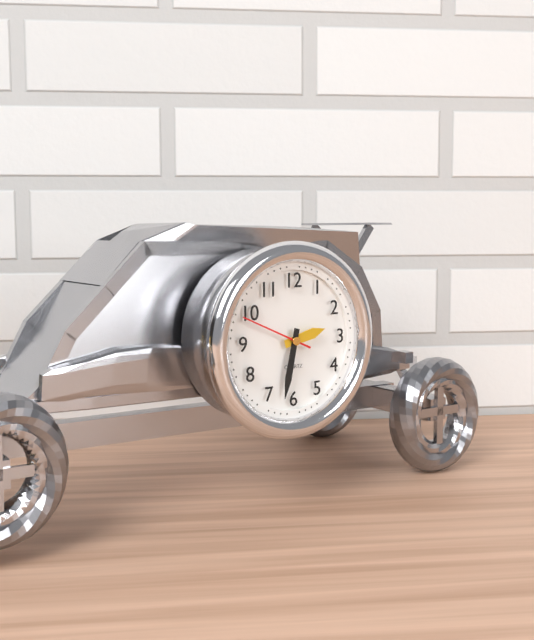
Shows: h=2 m=32 s=49
